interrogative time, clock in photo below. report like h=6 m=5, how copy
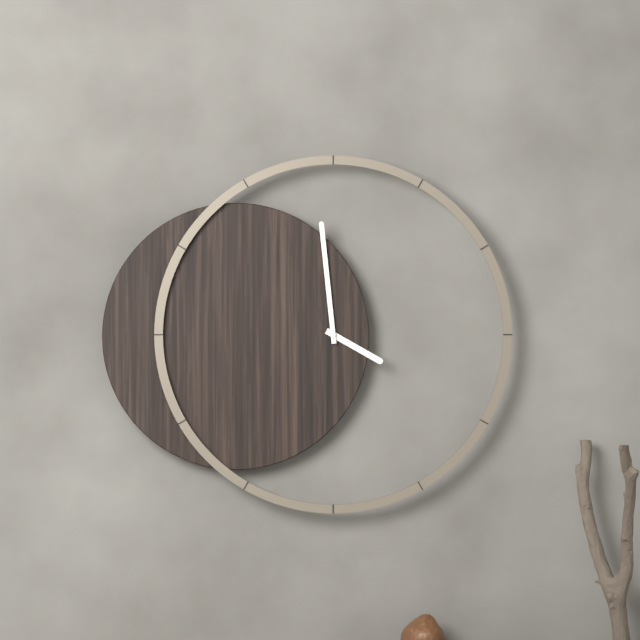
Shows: h=3 m=59
